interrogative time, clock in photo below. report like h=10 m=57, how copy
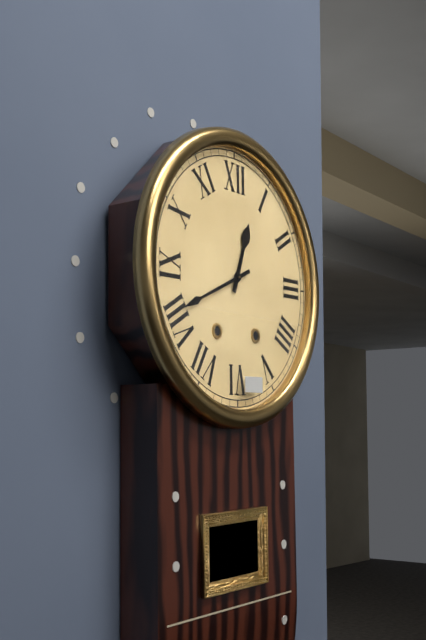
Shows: h=12 m=41
